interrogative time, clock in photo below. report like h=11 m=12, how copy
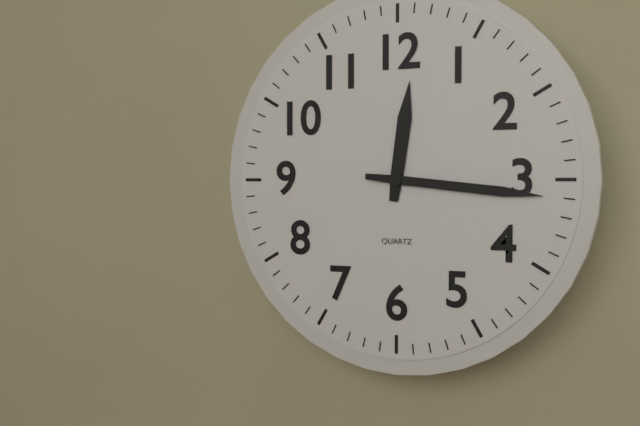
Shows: h=12 m=16
